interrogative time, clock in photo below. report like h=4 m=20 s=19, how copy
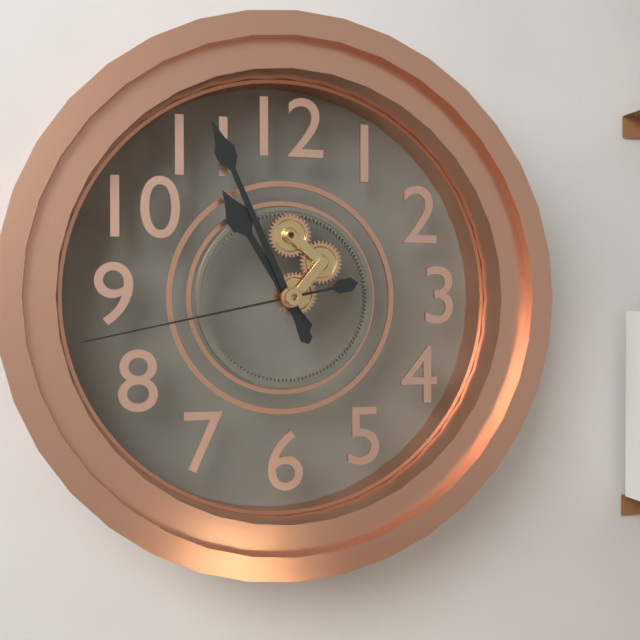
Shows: h=10 m=56 s=43
